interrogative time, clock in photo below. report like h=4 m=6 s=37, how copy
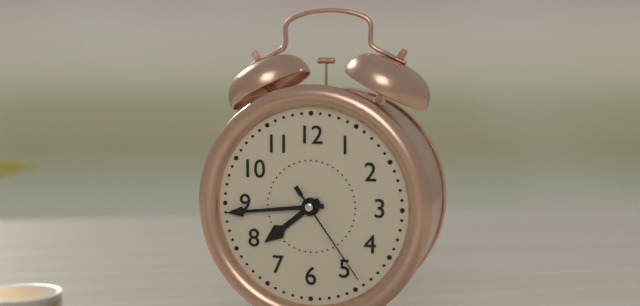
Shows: h=7 m=44 s=24
